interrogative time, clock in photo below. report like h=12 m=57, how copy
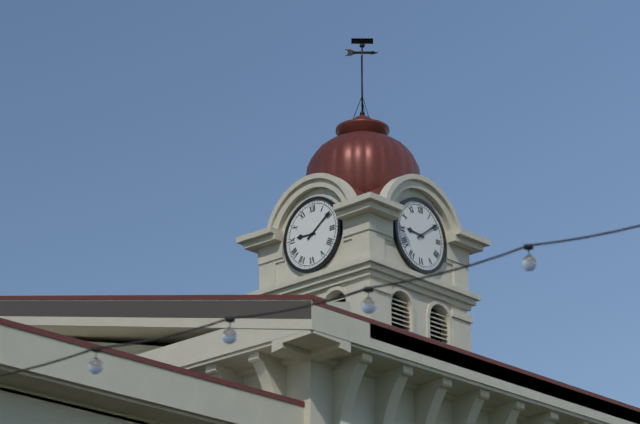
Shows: h=9 m=9
